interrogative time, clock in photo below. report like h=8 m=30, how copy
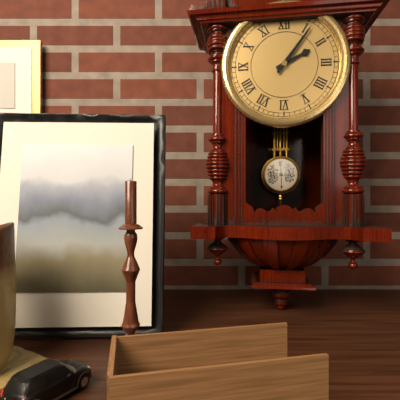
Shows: h=2 m=6
